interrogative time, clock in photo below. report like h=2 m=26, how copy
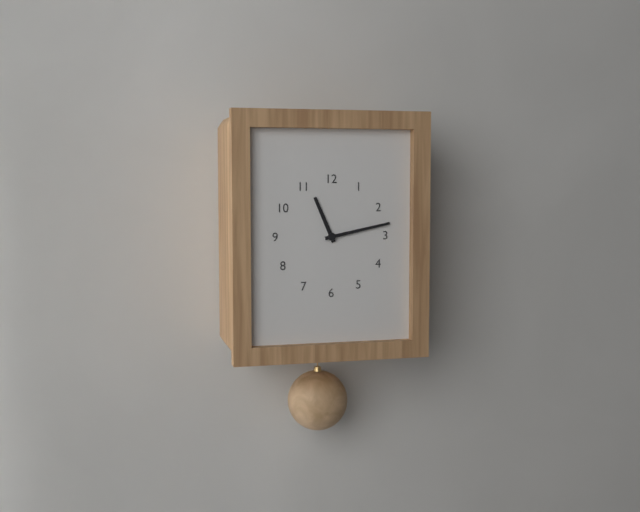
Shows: h=11 m=13
